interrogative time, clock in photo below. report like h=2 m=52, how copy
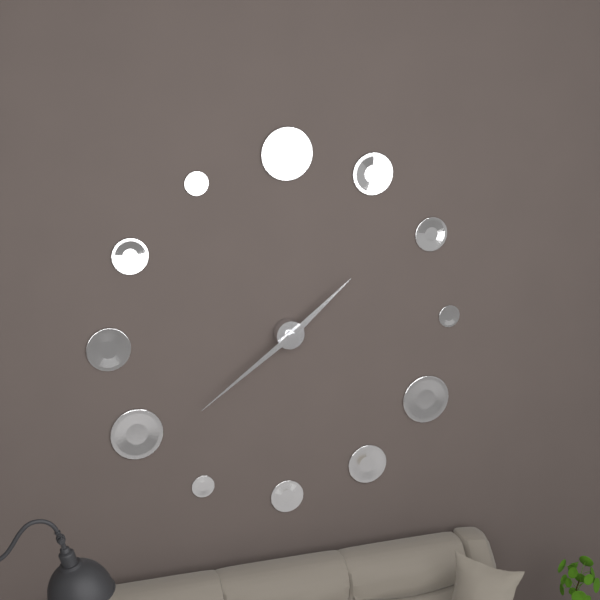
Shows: h=1 m=39
